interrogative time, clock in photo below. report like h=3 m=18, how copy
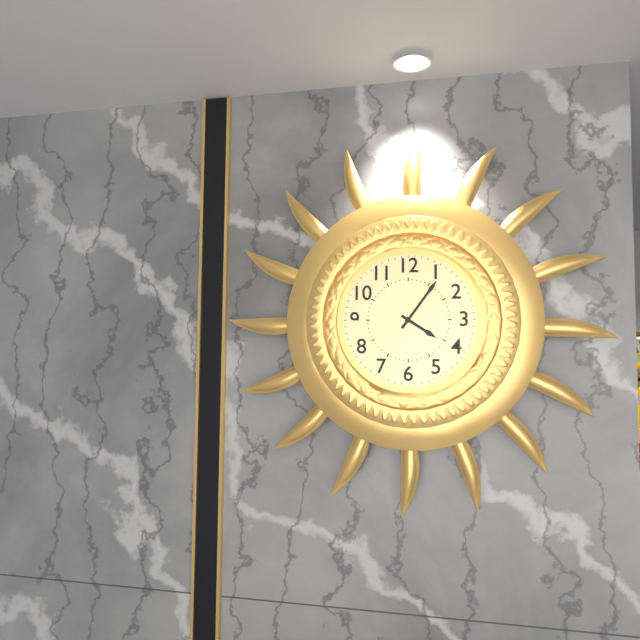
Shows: h=4 m=6
